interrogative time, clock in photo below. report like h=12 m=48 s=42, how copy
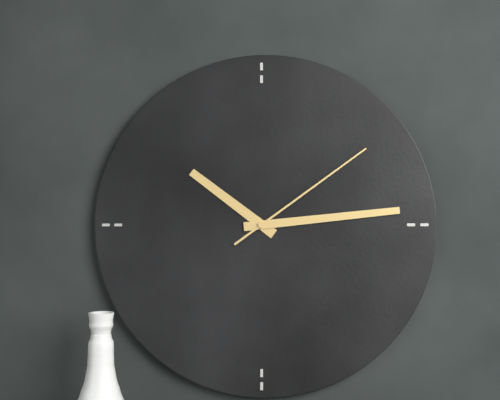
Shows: h=10 m=14 s=9
